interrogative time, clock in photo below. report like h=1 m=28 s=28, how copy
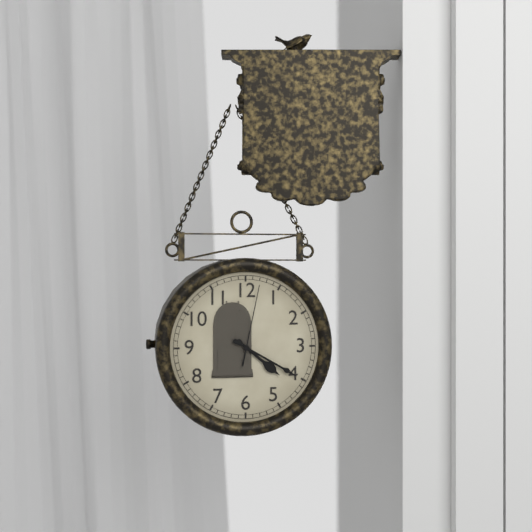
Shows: h=4 m=20 s=2
